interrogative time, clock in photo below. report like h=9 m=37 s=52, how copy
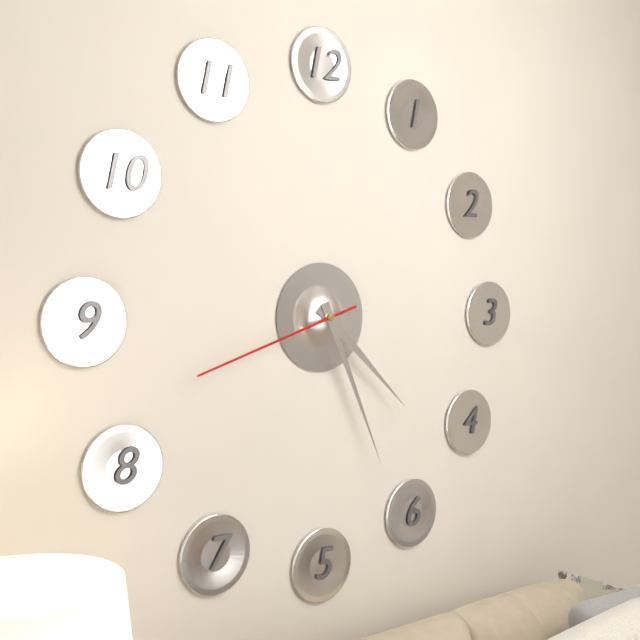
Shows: h=4 m=26 s=42
